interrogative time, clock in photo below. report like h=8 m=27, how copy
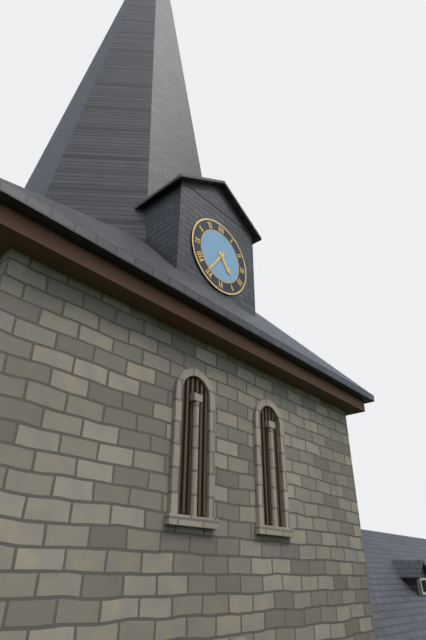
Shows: h=4 m=36
